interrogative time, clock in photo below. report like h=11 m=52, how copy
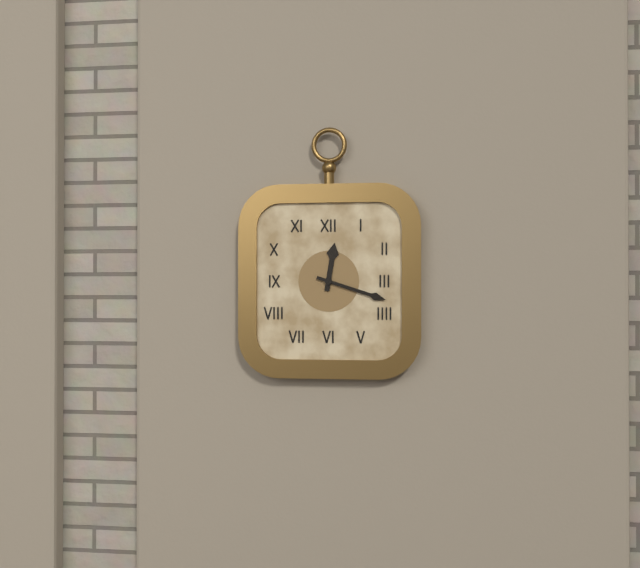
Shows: h=12 m=18
